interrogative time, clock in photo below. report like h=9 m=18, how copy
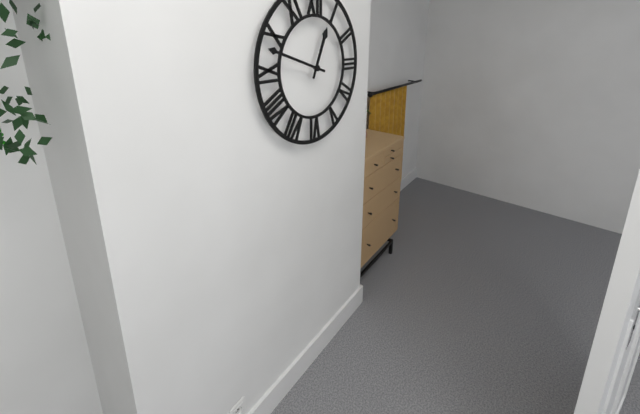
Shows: h=12 m=48
